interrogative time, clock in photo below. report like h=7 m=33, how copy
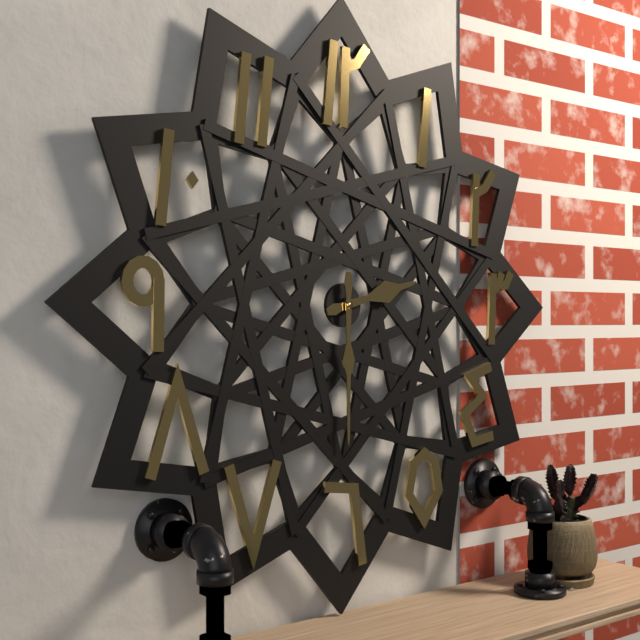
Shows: h=2 m=30
